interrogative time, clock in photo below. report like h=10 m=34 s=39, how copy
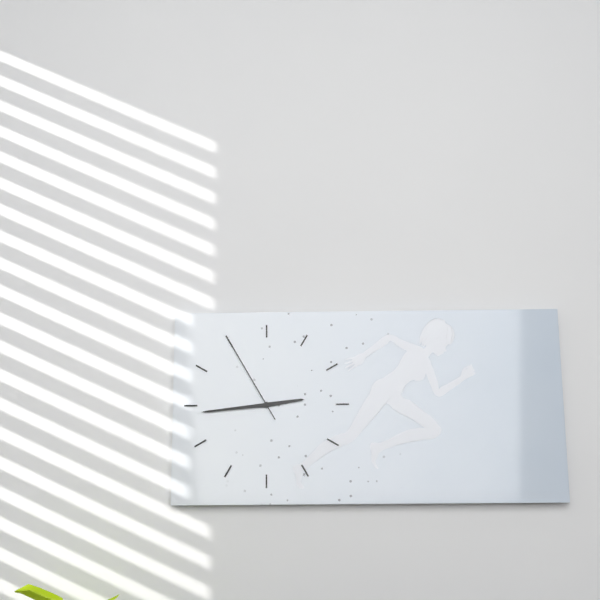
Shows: h=2 m=44 s=55
